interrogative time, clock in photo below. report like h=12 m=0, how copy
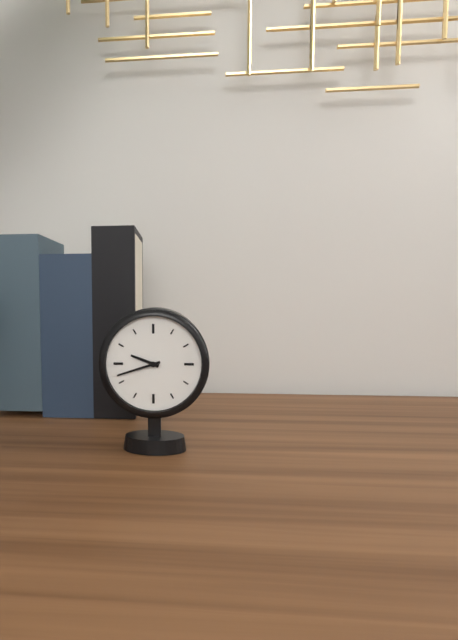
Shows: h=9 m=42
